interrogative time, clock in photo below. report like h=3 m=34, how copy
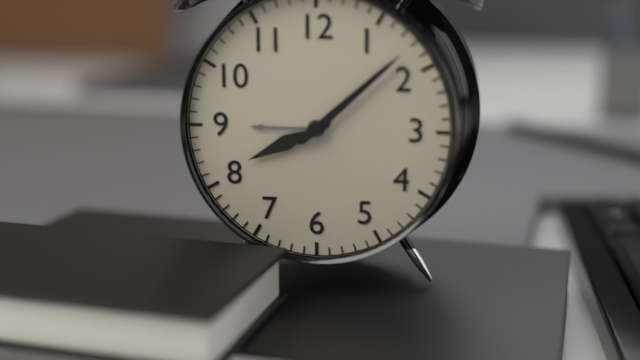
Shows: h=8 m=8
